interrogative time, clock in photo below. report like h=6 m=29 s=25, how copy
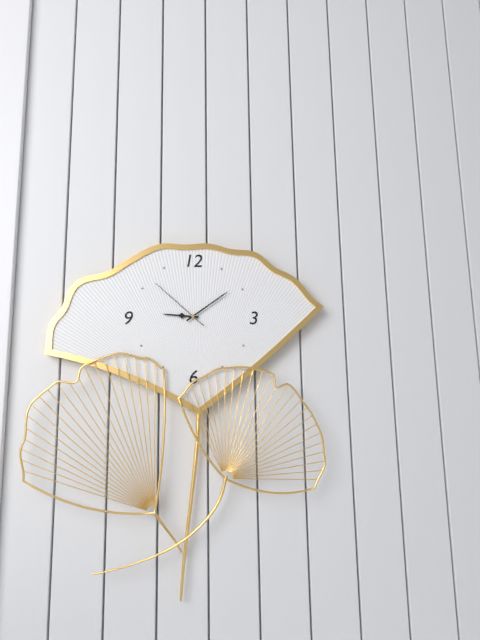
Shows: h=9 m=9 s=52
